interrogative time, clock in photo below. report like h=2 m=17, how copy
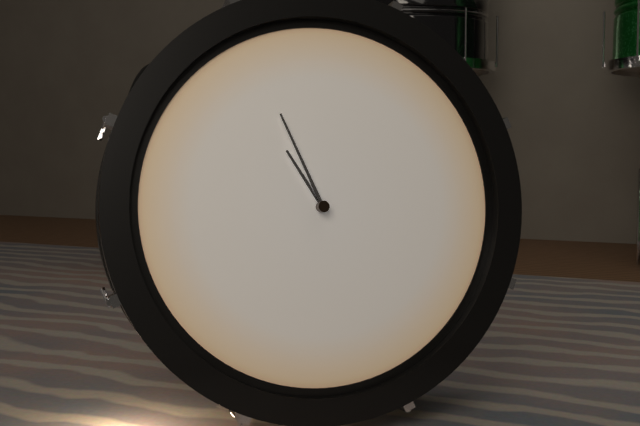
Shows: h=10 m=56
